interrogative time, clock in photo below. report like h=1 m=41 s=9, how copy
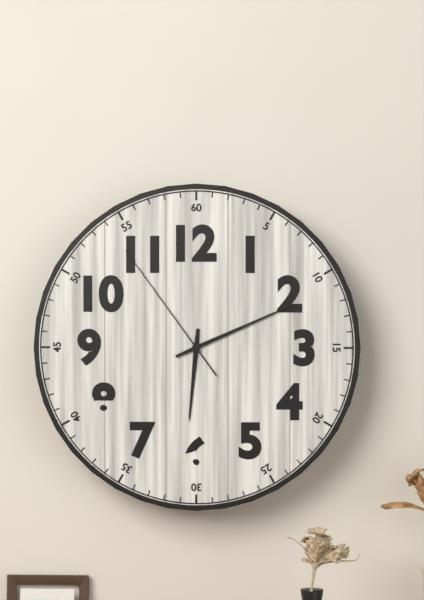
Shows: h=6 m=11 s=54
